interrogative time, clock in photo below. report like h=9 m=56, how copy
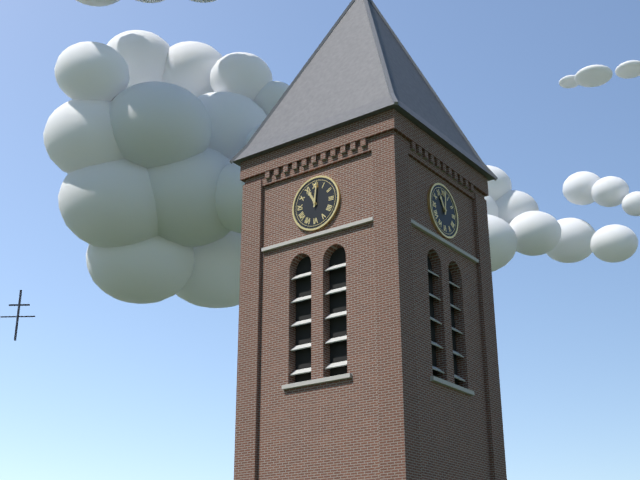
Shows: h=11 m=1
